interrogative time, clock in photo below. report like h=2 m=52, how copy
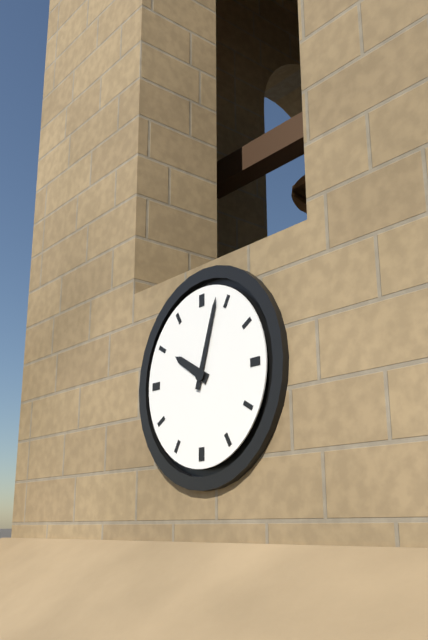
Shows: h=10 m=3
